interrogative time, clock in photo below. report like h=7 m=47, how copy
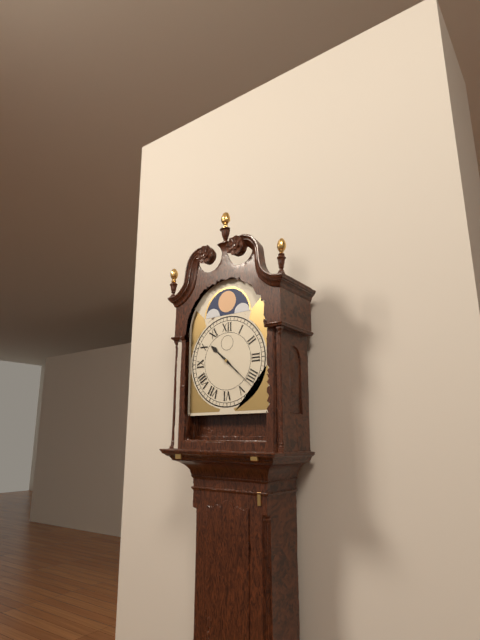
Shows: h=10 m=22
